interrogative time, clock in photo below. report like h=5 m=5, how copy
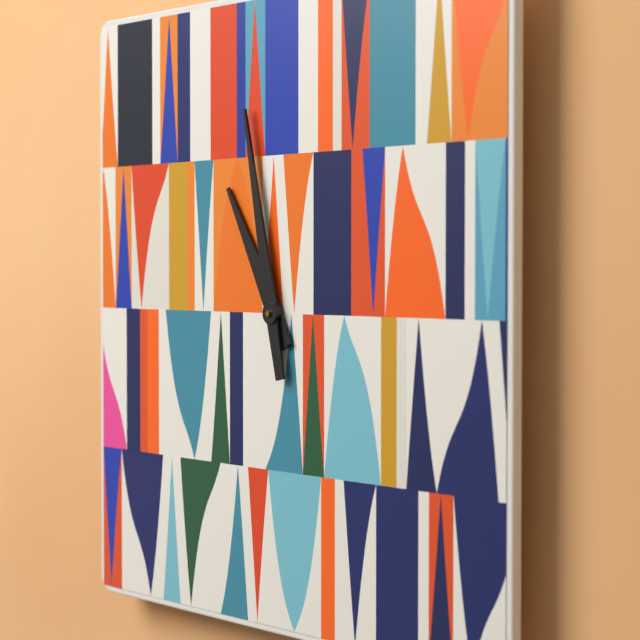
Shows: h=10 m=58
